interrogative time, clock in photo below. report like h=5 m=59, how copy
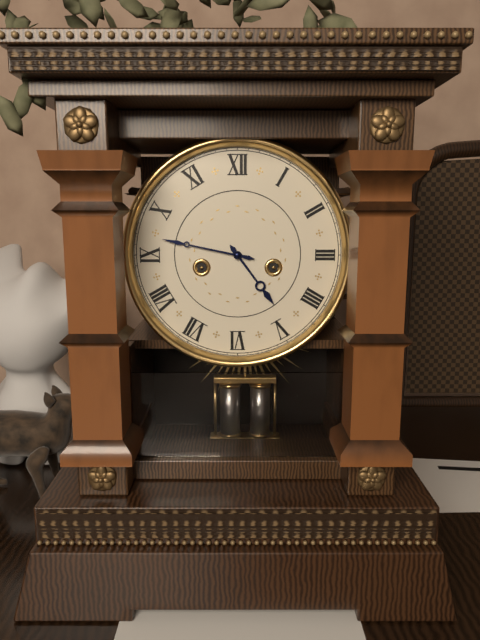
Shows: h=4 m=47
